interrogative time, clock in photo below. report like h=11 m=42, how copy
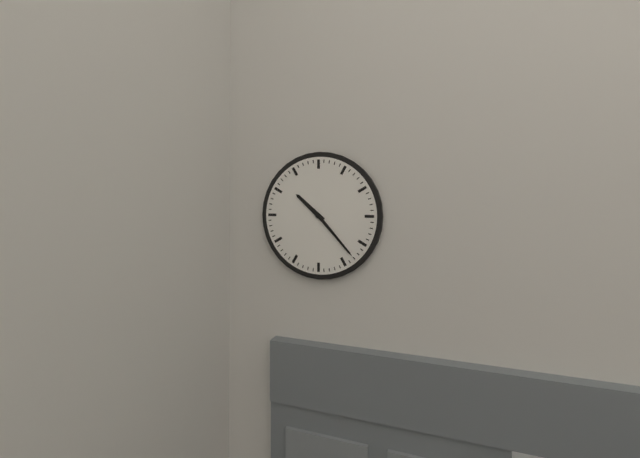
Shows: h=10 m=23
